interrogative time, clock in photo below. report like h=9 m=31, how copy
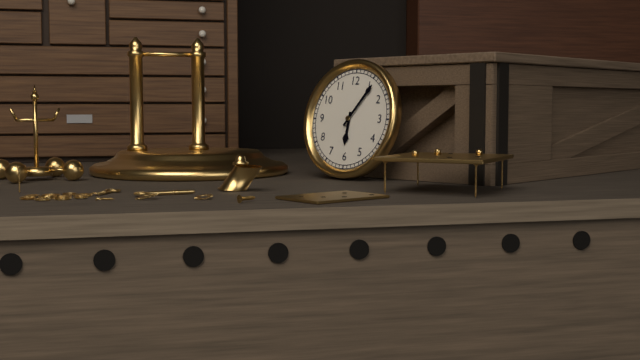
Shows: h=6 m=6
